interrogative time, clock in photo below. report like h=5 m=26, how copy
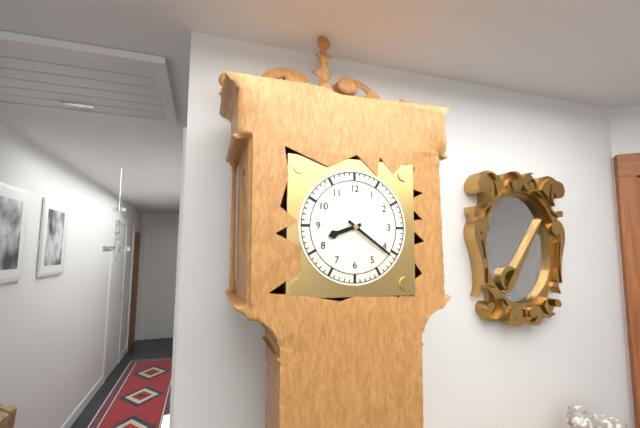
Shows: h=8 m=21
